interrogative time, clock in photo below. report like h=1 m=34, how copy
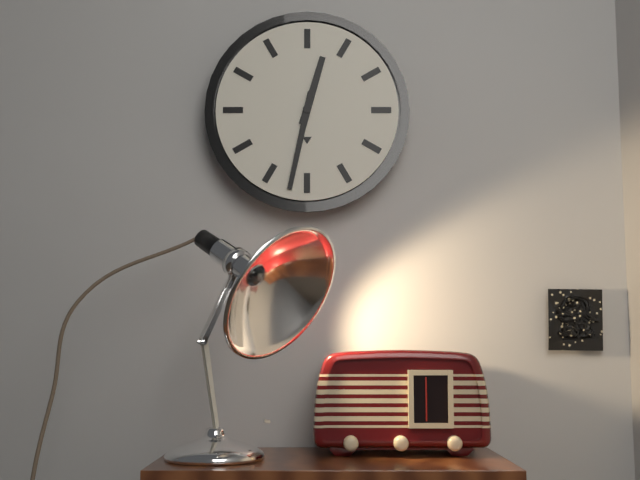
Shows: h=12 m=32
